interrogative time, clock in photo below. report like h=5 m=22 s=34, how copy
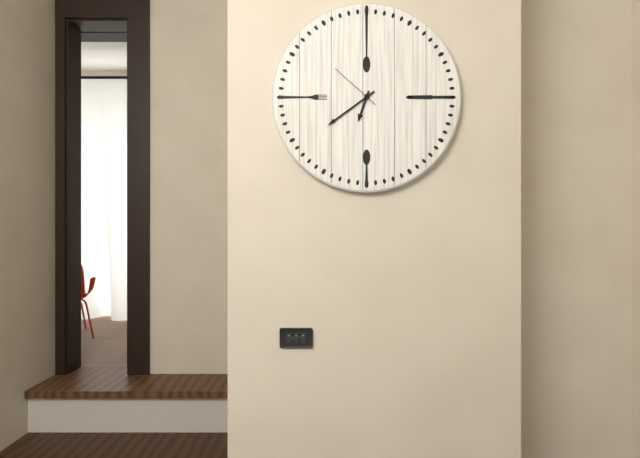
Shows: h=6 m=39 s=52
